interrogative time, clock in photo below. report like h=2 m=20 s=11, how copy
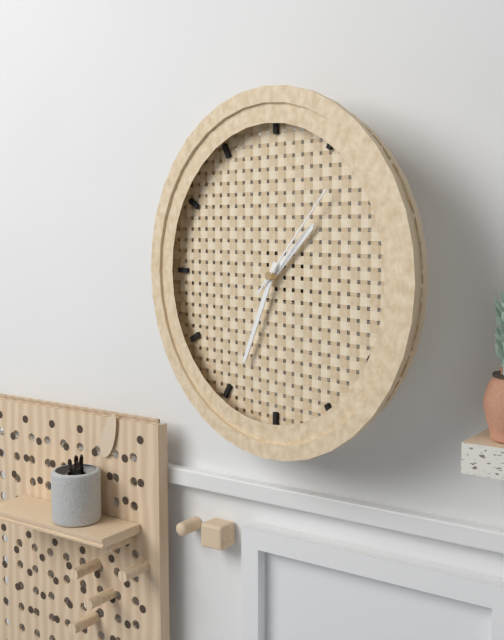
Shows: h=1 m=34 s=7
